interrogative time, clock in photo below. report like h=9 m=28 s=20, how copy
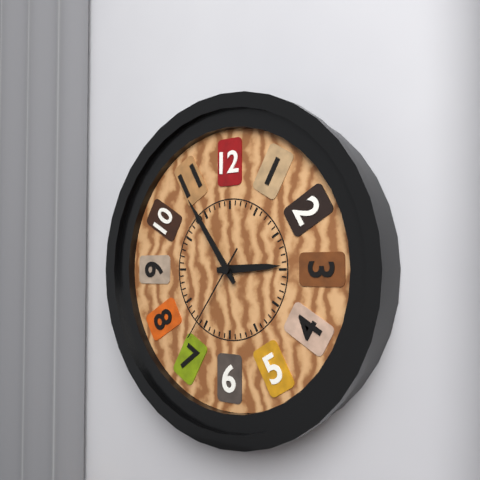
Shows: h=2 m=54 s=36
